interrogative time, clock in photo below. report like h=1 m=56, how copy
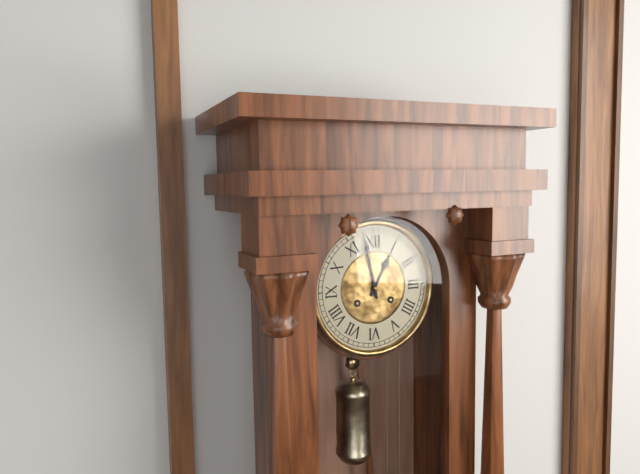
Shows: h=12 m=58
